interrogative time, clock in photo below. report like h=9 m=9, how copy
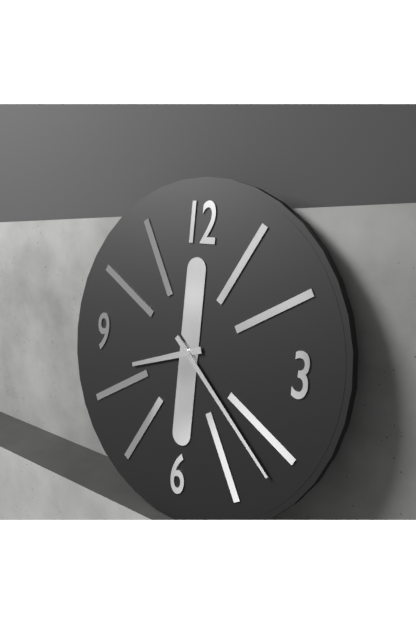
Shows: h=8 m=22
